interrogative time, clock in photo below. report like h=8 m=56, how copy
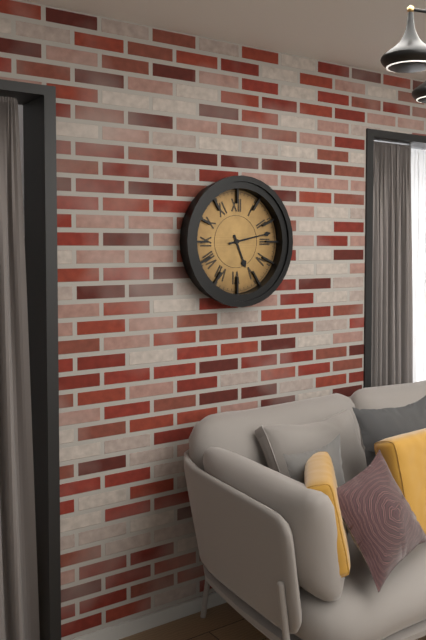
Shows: h=5 m=13
